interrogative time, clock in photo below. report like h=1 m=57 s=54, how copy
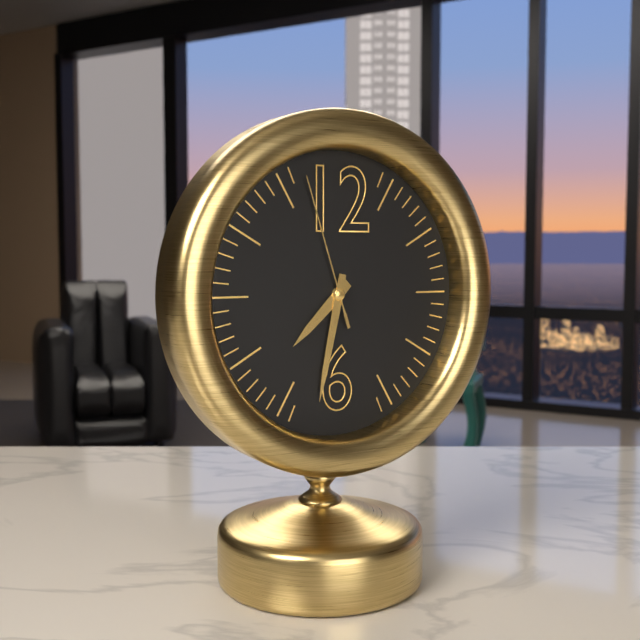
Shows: h=7 m=32 s=57
